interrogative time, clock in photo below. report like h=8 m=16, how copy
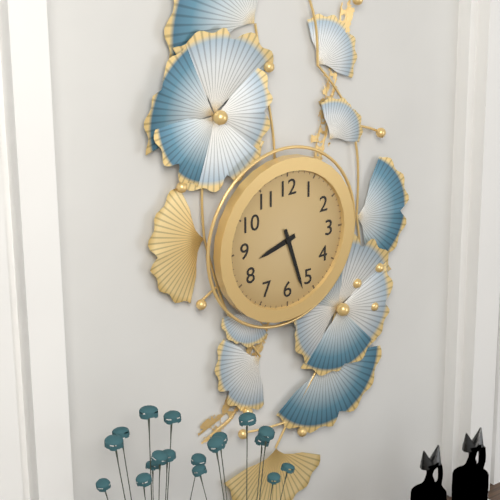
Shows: h=8 m=27
